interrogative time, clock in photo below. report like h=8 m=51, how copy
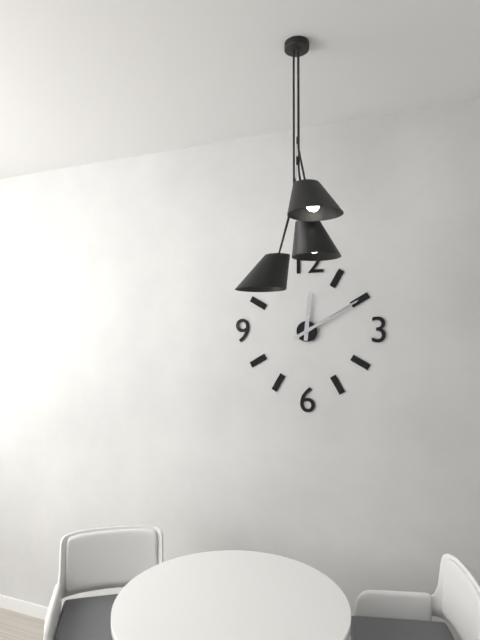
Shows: h=12 m=10
